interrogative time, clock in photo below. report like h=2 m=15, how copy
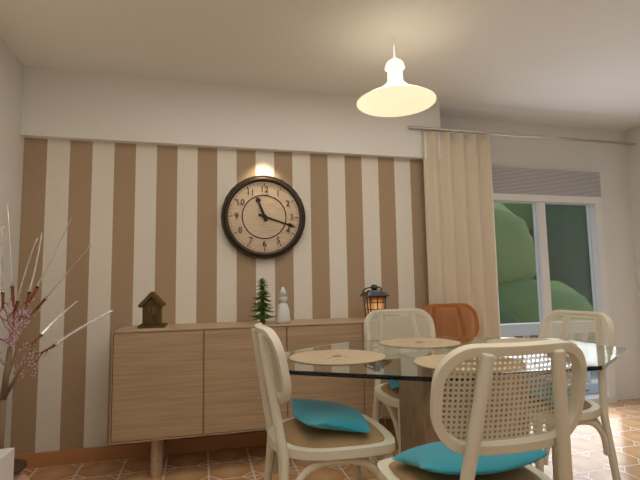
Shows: h=11 m=18
